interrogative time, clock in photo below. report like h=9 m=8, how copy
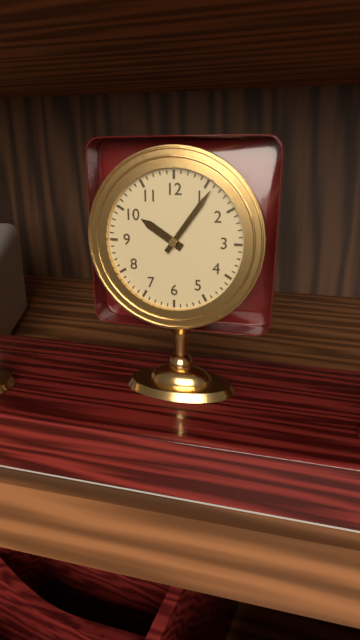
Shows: h=10 m=6
